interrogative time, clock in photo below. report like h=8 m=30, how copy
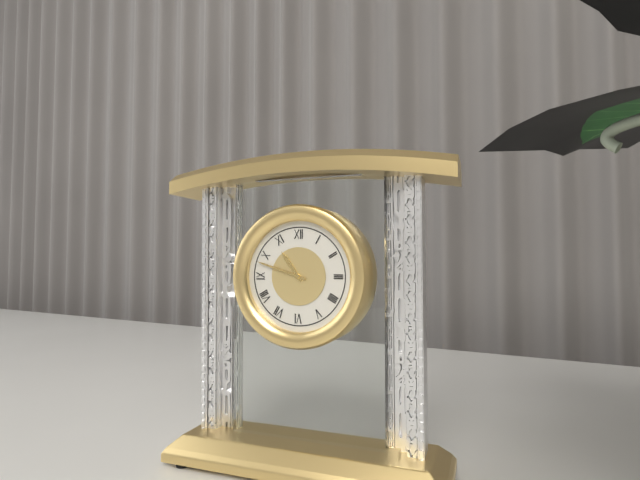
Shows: h=10 m=48
